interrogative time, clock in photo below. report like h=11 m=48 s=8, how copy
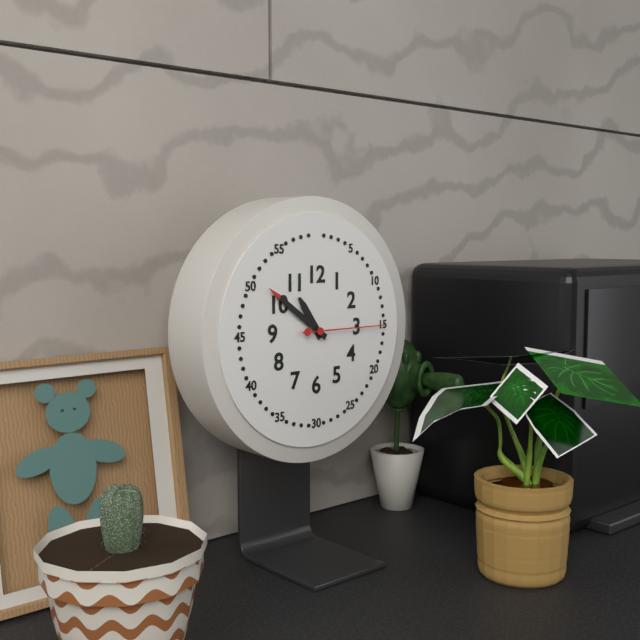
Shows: h=10 m=51 s=15
